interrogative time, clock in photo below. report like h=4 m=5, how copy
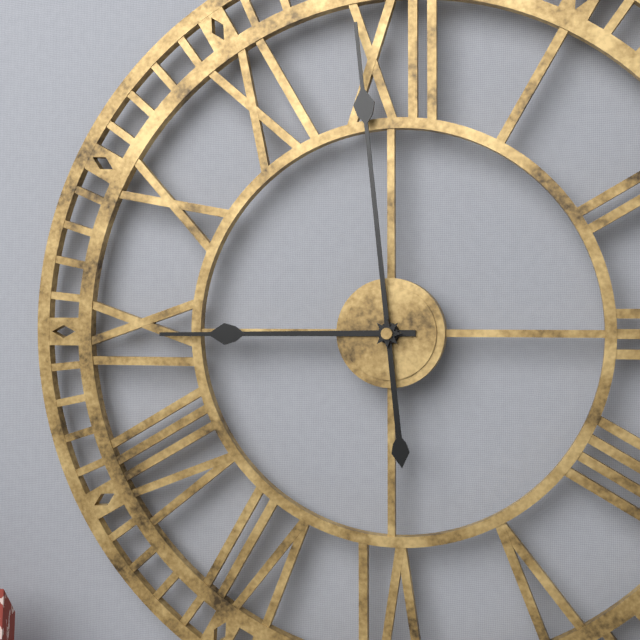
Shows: h=8 m=59
